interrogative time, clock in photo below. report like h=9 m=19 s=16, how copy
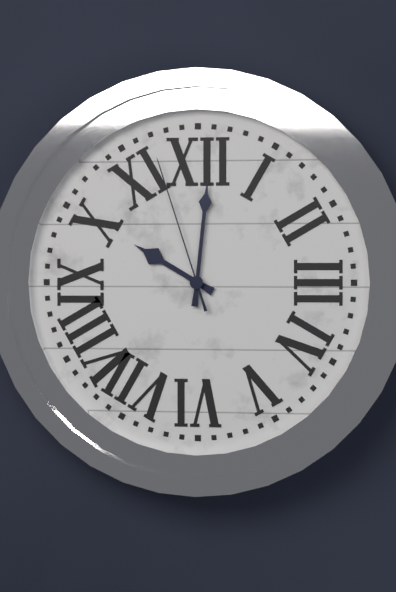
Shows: h=10 m=1 s=57
